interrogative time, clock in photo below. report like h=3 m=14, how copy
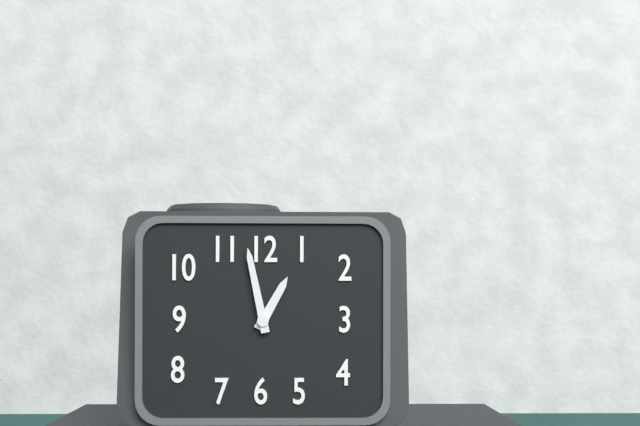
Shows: h=12 m=58
